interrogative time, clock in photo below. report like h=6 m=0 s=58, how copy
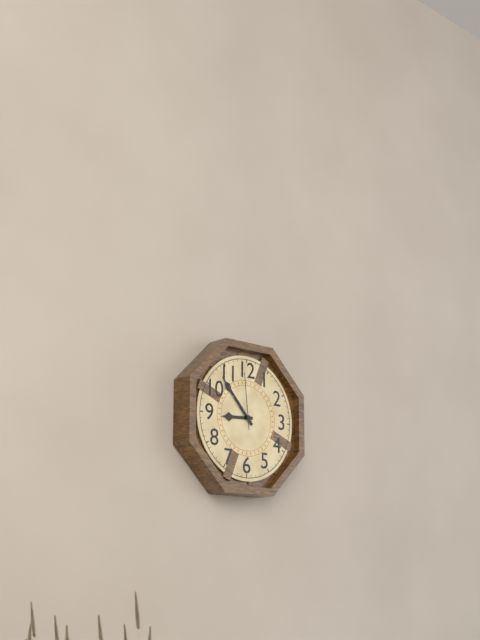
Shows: h=8 m=53 s=59
